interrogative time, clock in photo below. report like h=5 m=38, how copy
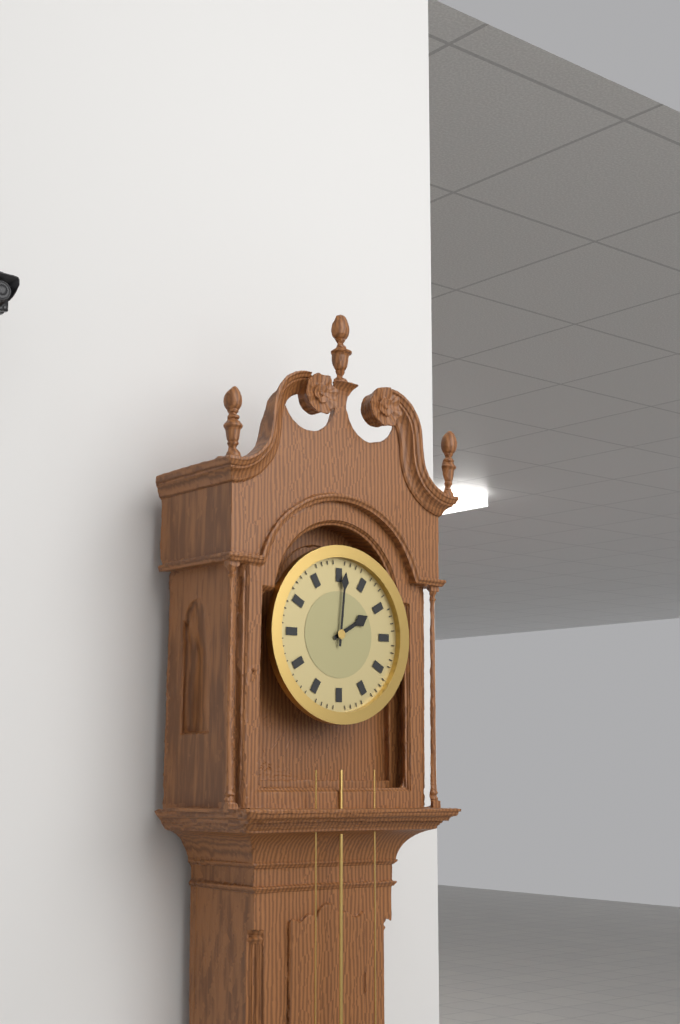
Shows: h=2 m=1
